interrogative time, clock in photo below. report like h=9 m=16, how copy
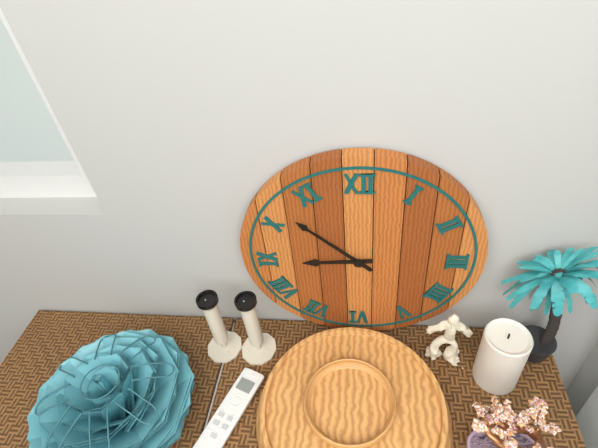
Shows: h=8 m=52
